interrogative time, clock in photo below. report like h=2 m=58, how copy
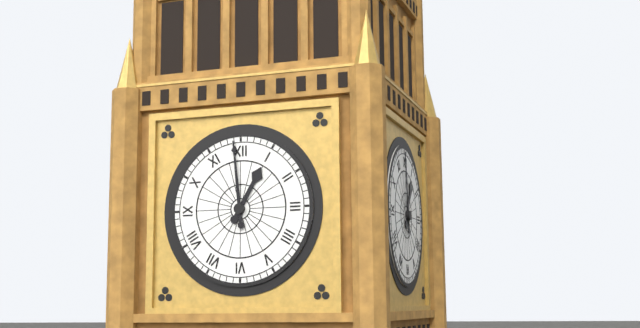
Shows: h=12 m=59
